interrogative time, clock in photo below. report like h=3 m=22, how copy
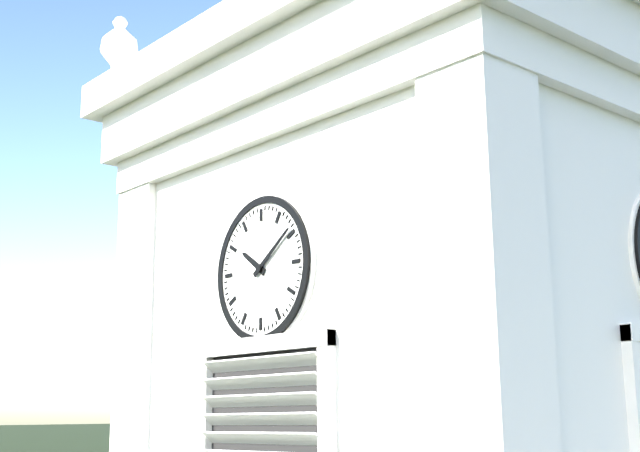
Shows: h=10 m=9
